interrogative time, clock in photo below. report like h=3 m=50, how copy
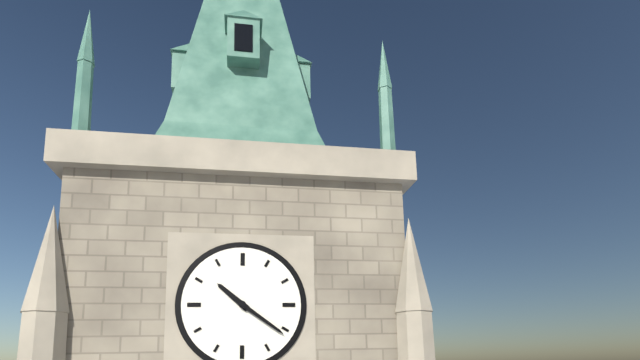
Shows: h=10 m=21
